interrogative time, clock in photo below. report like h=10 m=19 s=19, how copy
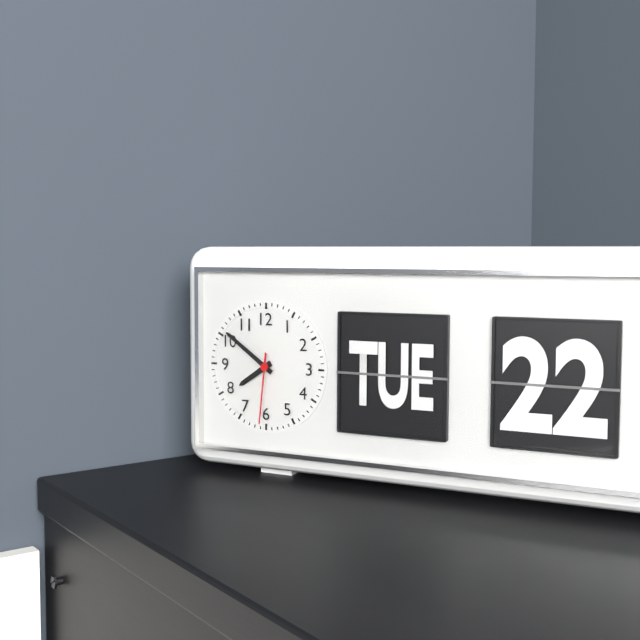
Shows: h=7 m=51 s=31
